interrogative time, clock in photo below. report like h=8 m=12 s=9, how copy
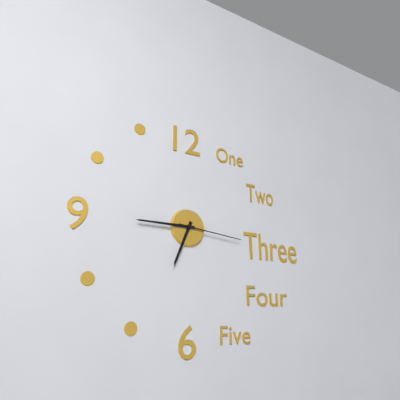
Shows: h=6 m=45 s=16
